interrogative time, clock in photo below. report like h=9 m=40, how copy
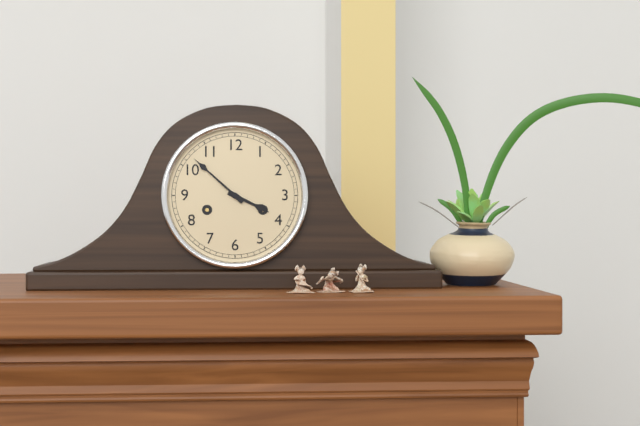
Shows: h=3 m=52
